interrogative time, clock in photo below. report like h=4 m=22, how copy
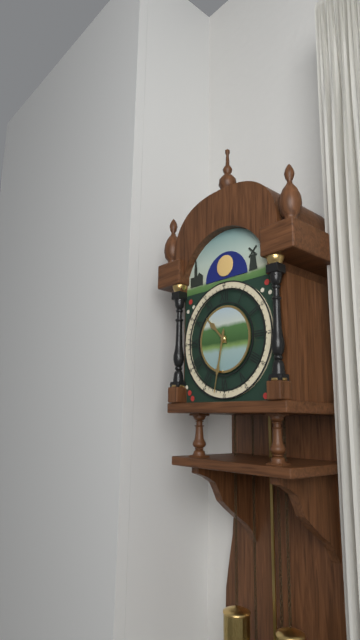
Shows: h=10 m=32
